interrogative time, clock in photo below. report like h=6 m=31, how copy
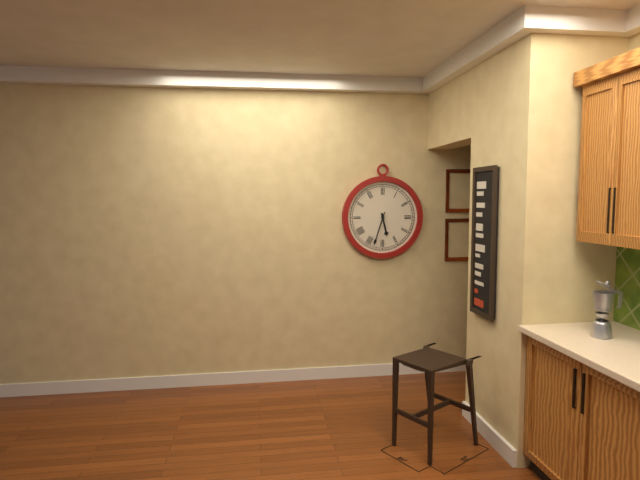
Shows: h=5 m=33
